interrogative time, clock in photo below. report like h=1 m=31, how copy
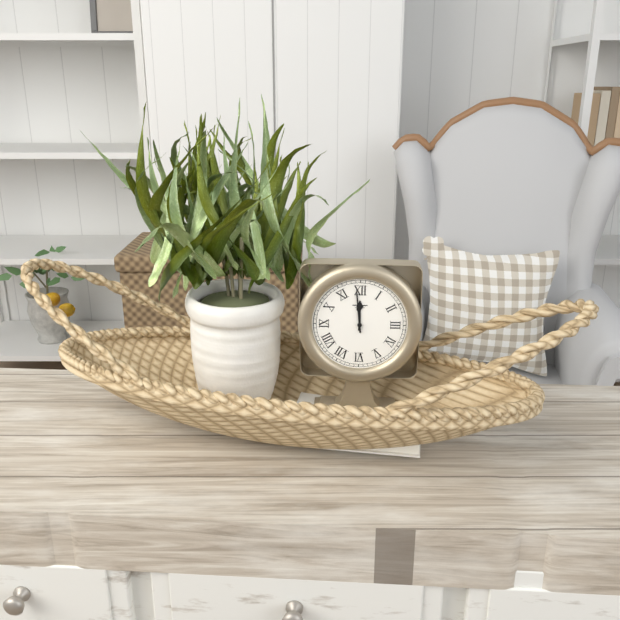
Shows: h=11 m=59
